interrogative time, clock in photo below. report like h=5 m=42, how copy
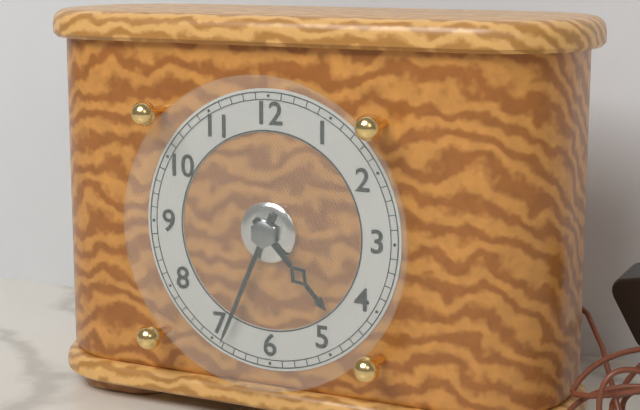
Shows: h=4 m=34
